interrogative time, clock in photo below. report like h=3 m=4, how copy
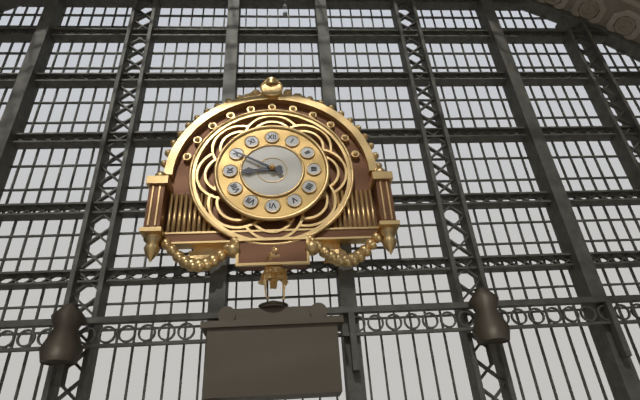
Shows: h=8 m=50
